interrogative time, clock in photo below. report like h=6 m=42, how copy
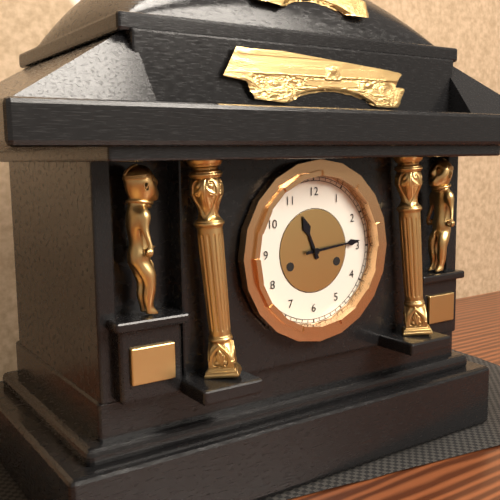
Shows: h=11 m=14
